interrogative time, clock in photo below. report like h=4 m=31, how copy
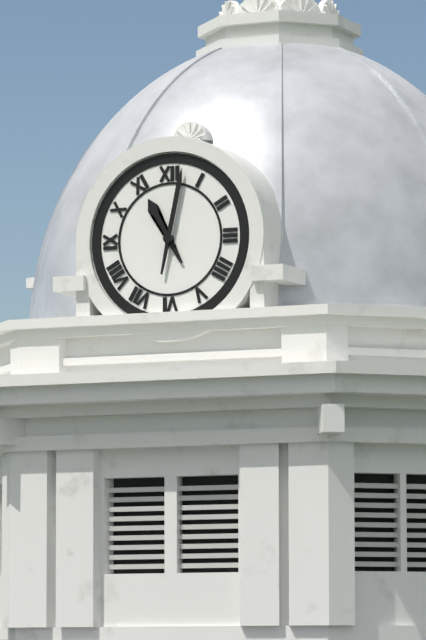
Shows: h=11 m=2
